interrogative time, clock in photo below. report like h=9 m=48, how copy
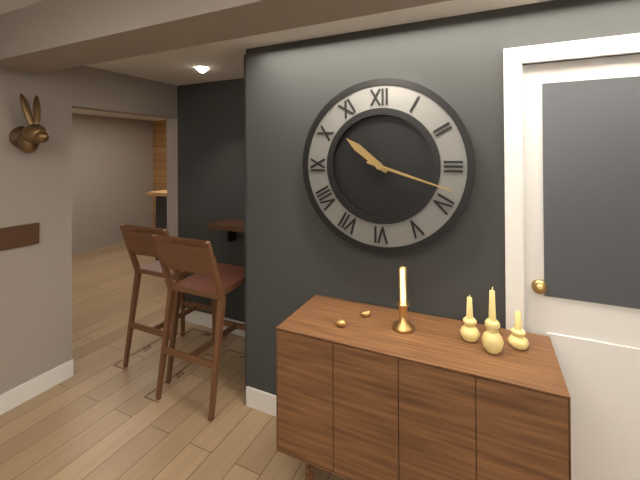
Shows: h=10 m=18
